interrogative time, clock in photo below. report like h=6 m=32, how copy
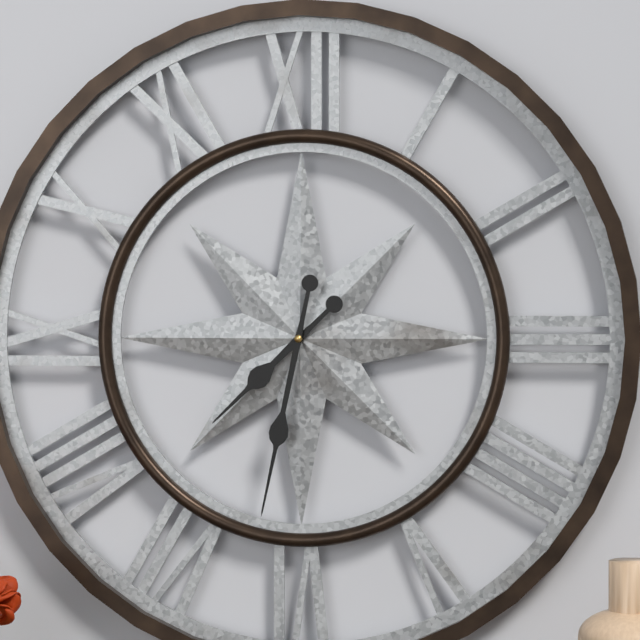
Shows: h=7 m=32
